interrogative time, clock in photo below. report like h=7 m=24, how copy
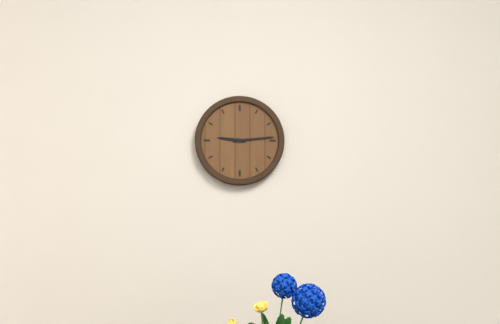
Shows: h=9 m=14
